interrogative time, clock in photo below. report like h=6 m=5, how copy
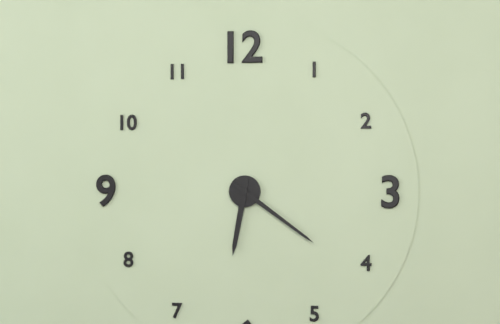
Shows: h=6 m=21
